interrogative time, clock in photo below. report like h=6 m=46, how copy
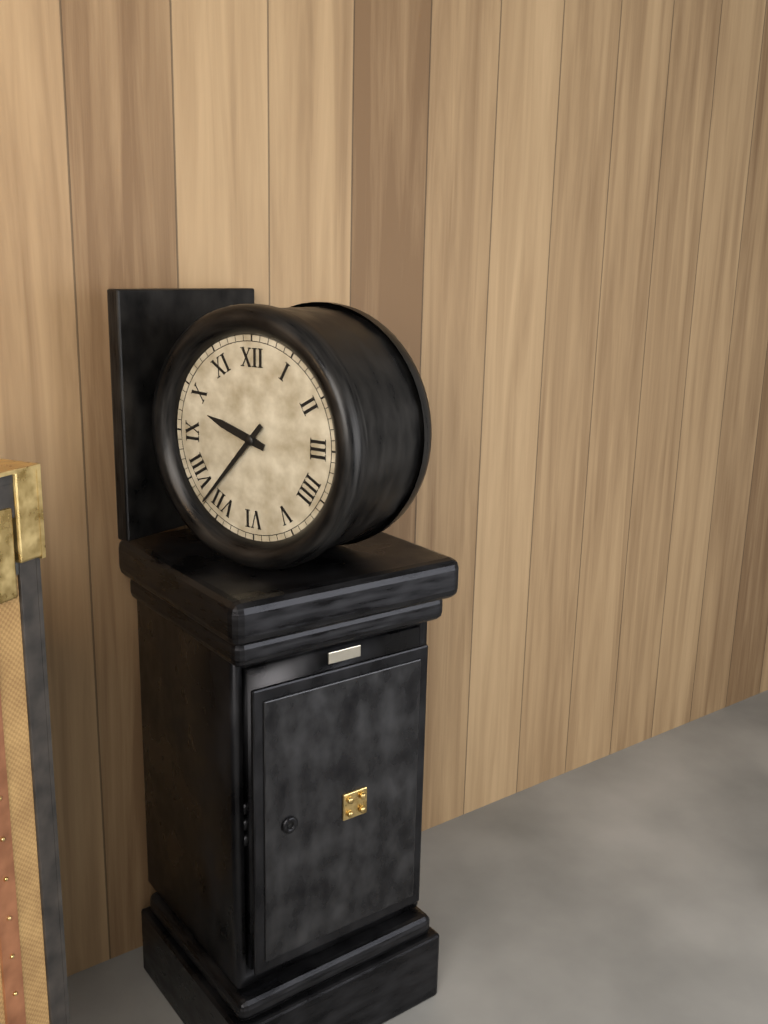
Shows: h=9 m=37
